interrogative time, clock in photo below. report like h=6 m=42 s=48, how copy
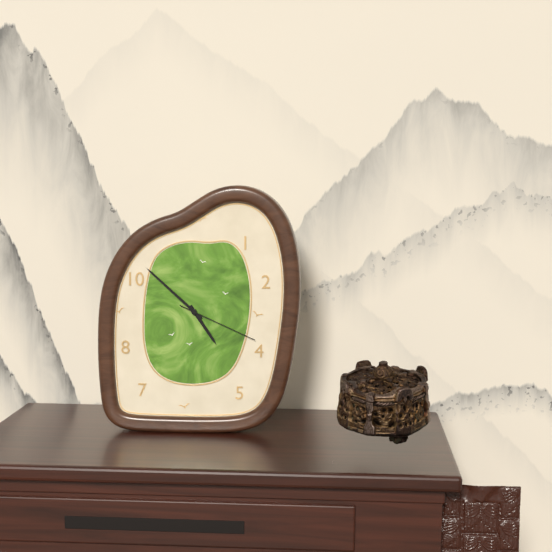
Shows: h=4 m=52 s=19
